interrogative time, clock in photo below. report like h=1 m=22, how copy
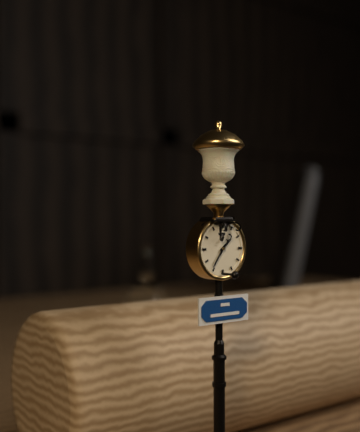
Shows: h=1 m=36
